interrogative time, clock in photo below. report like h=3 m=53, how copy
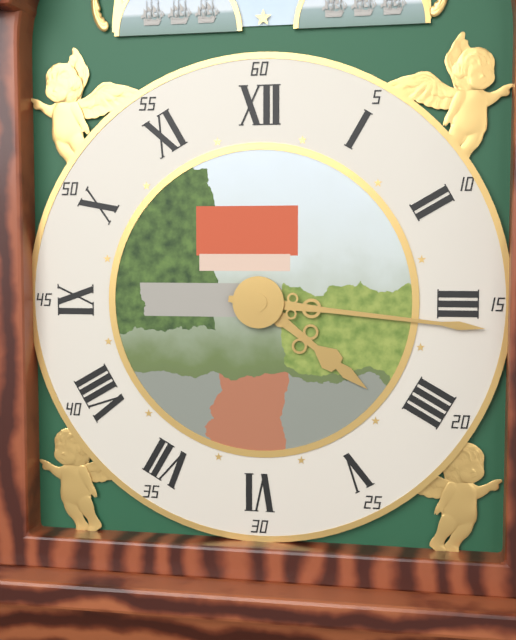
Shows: h=4 m=16
